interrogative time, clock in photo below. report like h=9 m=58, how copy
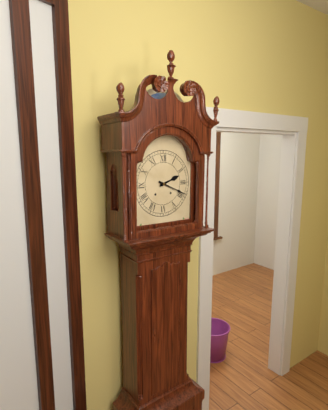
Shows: h=2 m=19
